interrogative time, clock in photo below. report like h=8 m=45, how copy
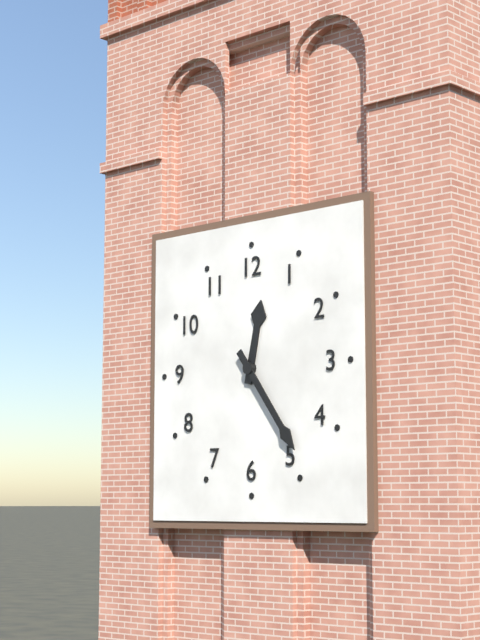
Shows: h=12 m=24
